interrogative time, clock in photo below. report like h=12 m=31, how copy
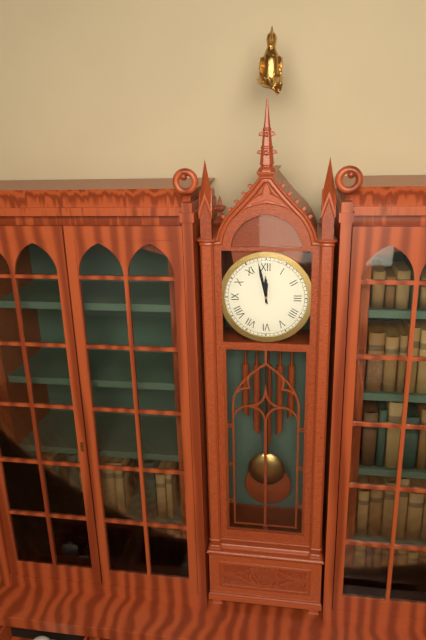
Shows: h=11 m=58
